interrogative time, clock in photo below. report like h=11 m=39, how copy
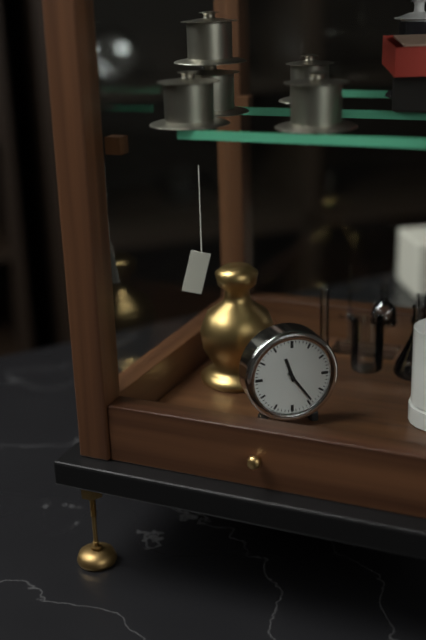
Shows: h=11 m=24
